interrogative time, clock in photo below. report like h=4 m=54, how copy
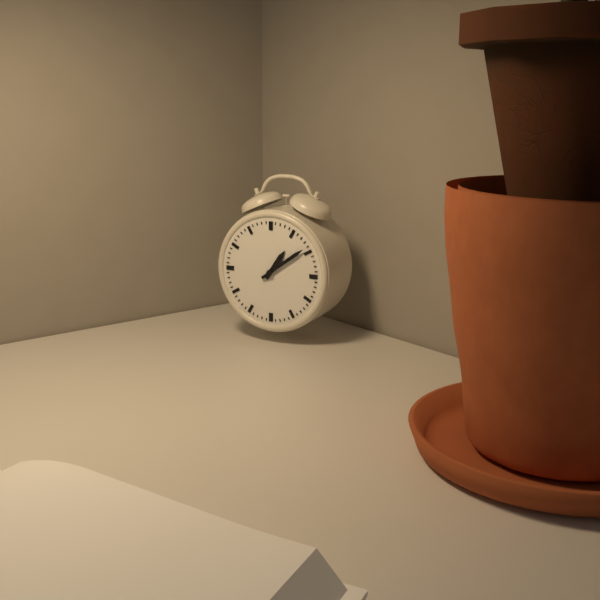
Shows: h=1 m=9
